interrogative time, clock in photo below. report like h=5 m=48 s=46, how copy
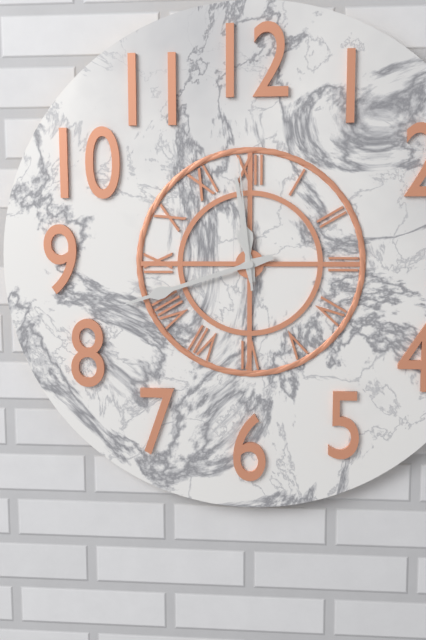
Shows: h=11 m=42 s=59
